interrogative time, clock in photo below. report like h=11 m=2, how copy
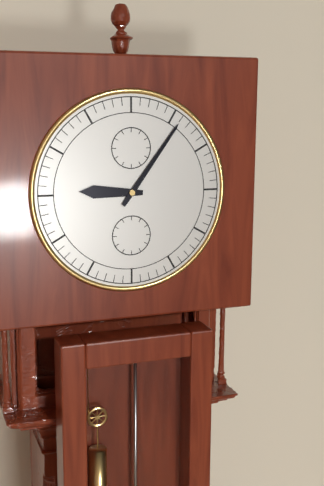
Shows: h=9 m=6
